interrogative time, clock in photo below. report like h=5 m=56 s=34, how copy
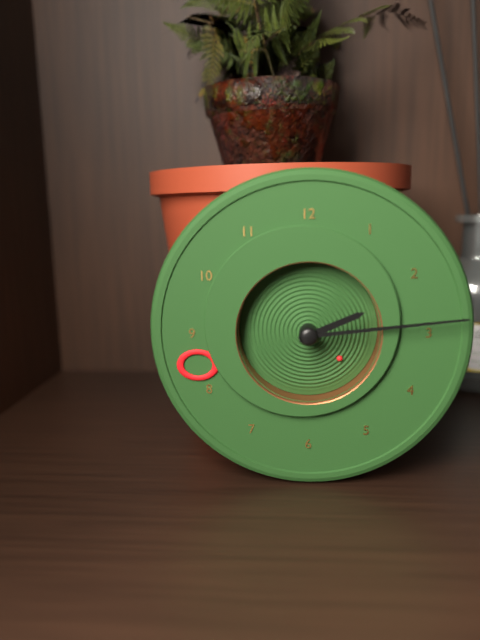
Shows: h=2 m=14 s=22
